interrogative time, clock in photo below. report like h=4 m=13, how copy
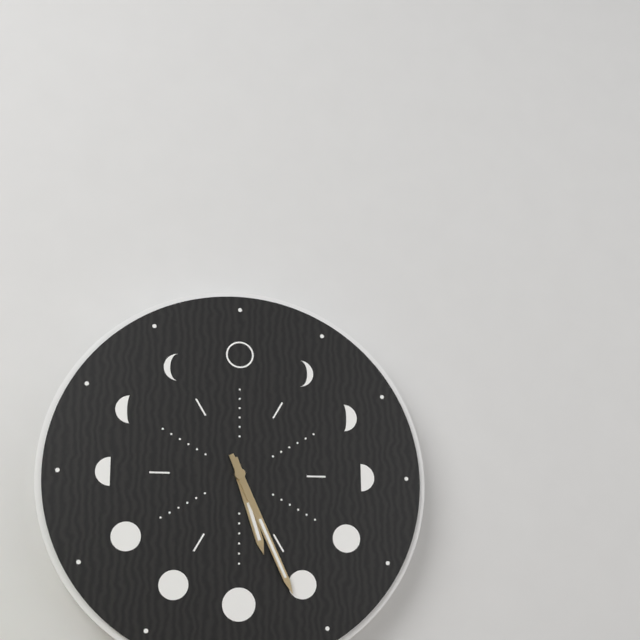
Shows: h=5 m=26
